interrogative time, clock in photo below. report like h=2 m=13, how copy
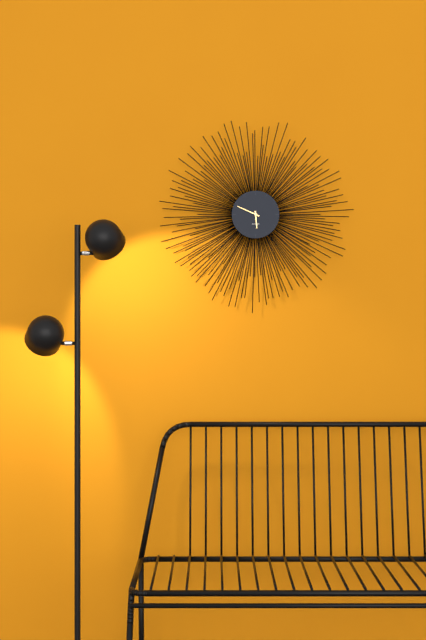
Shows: h=5 m=49
